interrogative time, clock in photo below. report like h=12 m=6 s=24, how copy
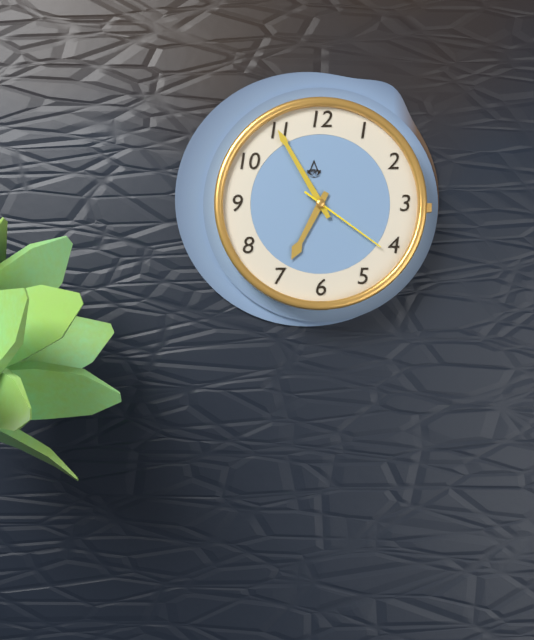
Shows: h=6 m=55 s=21
